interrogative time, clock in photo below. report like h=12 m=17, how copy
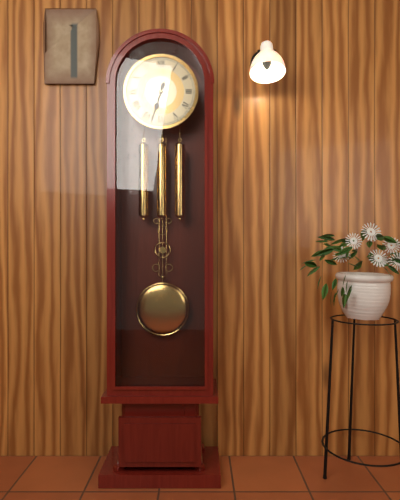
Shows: h=6 m=33
